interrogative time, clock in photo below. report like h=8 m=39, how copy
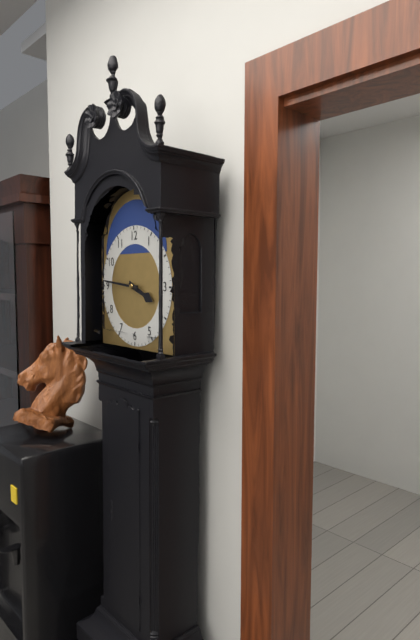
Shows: h=3 m=46
